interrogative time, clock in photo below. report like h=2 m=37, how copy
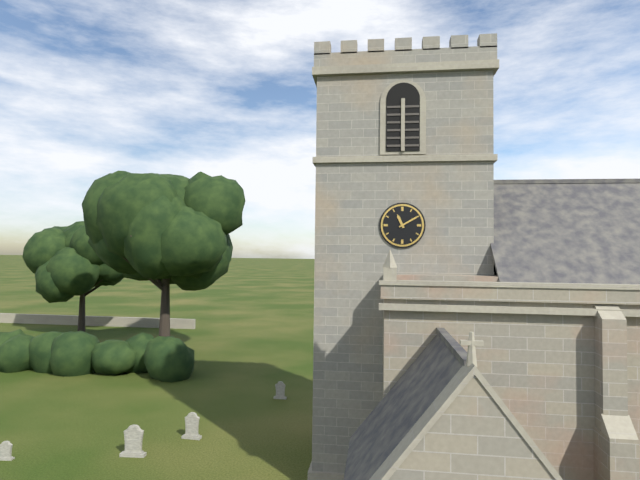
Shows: h=11 m=10
